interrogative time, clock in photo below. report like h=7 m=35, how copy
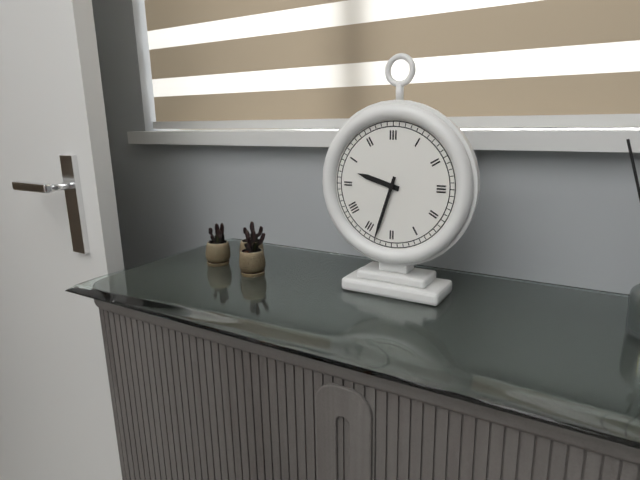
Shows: h=9 m=33
